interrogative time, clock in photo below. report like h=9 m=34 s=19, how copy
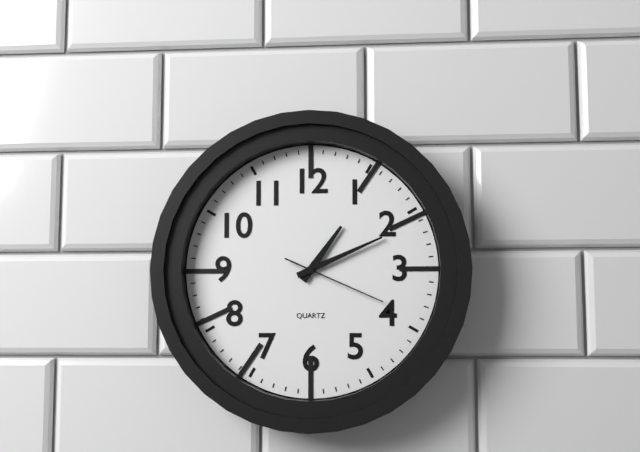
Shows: h=1 m=11 s=19
